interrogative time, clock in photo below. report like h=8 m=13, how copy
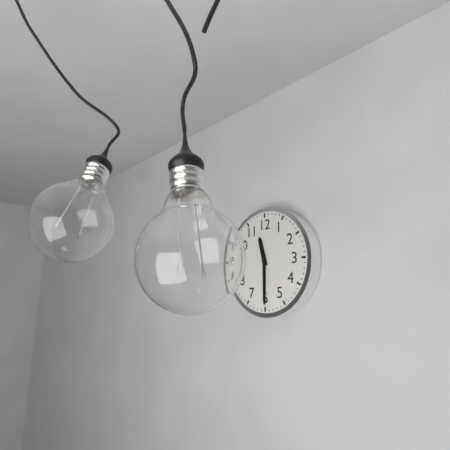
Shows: h=11 m=30
